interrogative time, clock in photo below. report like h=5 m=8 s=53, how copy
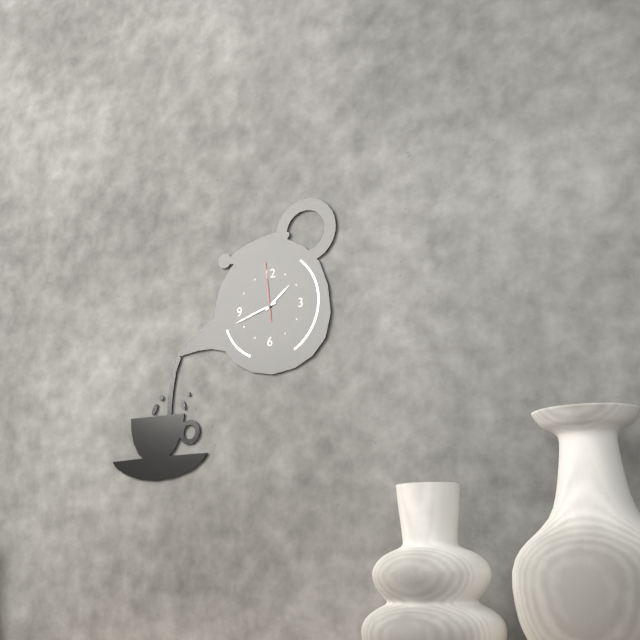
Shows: h=1 m=42 s=59
